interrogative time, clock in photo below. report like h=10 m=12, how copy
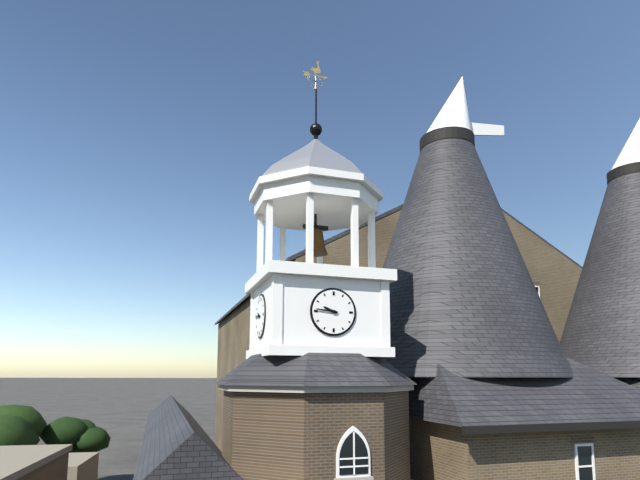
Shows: h=9 m=46
